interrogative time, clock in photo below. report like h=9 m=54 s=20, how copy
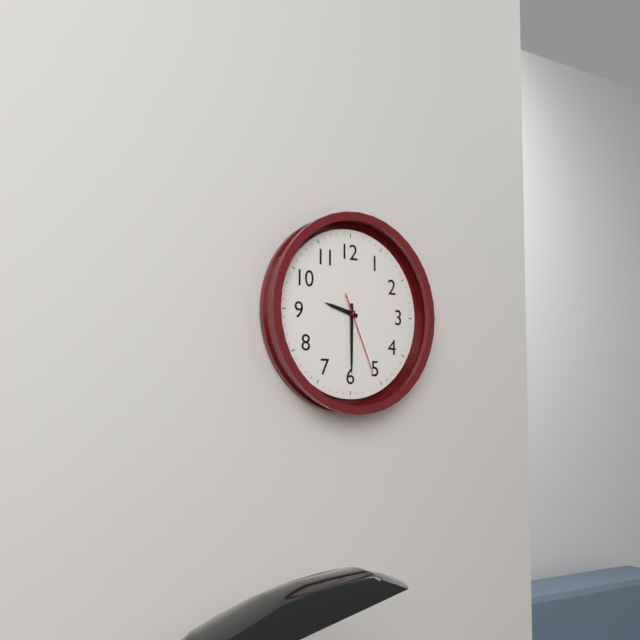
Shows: h=9 m=30 s=26
